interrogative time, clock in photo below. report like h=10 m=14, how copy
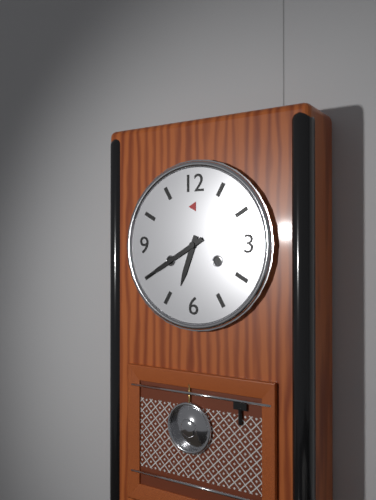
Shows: h=6 m=40
